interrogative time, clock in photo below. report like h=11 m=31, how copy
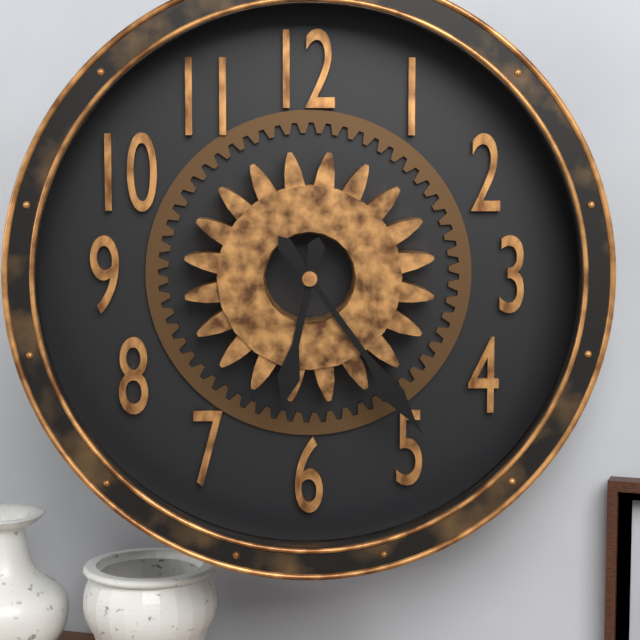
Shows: h=6 m=24
